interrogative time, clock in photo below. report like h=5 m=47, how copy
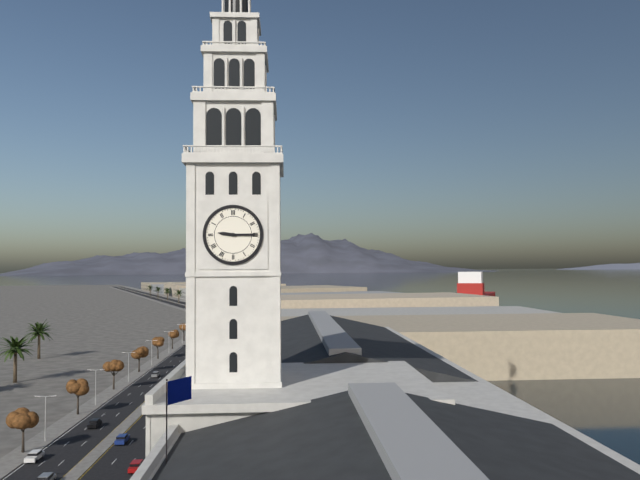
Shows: h=9 m=15
